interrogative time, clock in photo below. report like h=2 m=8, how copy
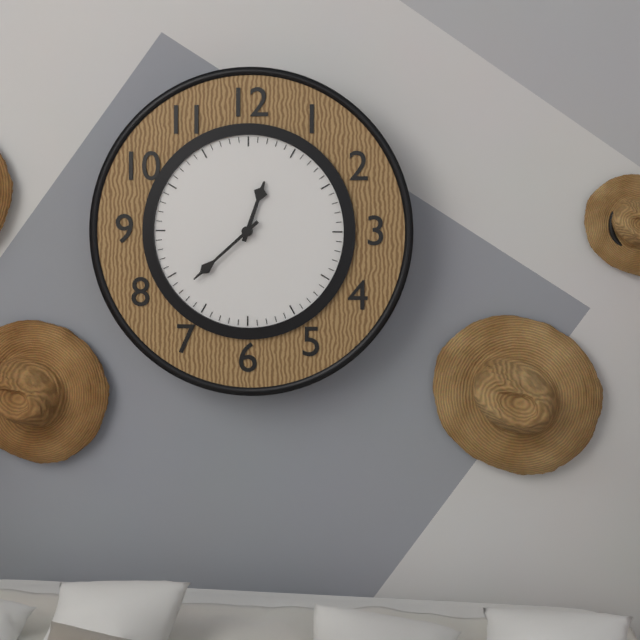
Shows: h=12 m=38
